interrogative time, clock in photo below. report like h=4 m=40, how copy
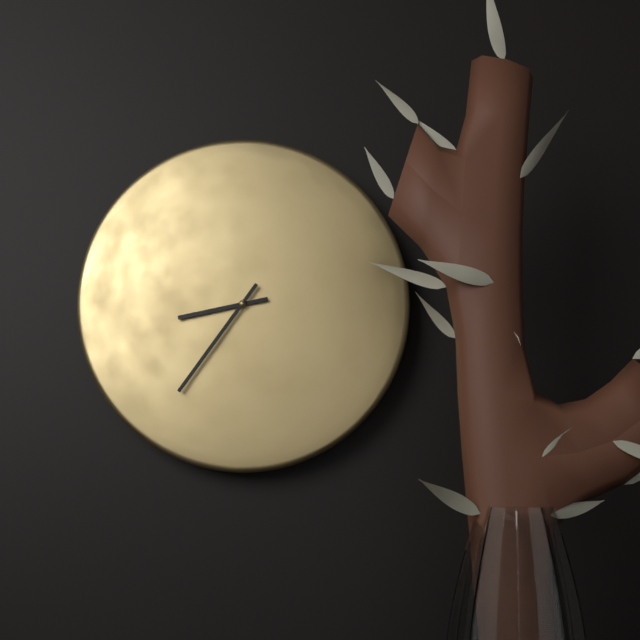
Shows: h=8 m=36
